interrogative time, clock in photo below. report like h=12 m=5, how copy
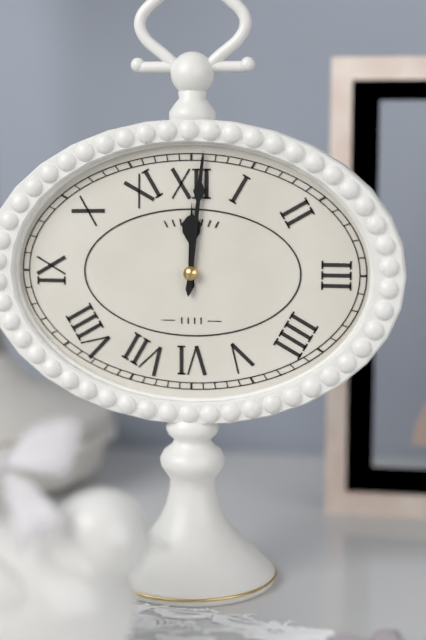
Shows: h=12 m=1
